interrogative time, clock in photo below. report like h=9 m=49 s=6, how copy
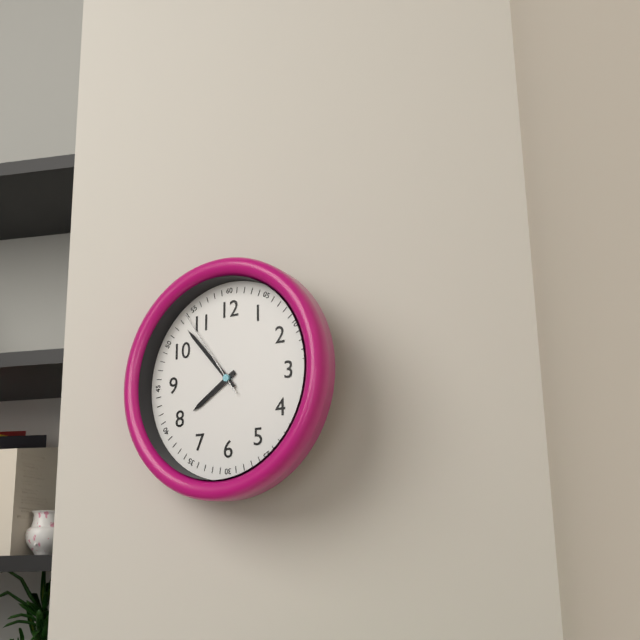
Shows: h=7 m=53 s=54
